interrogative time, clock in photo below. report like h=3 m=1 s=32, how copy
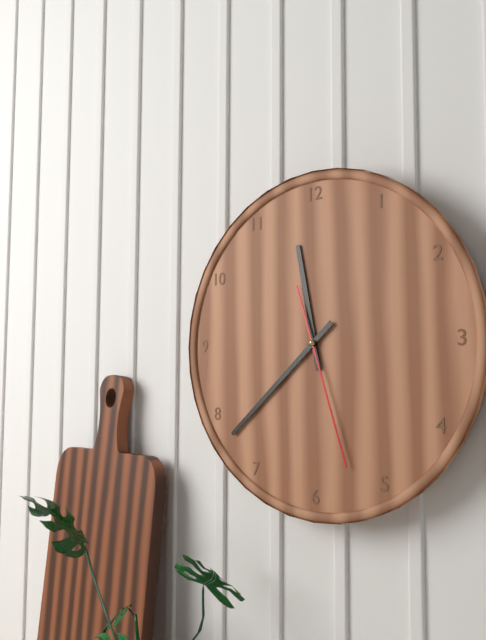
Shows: h=11 m=38 s=27
